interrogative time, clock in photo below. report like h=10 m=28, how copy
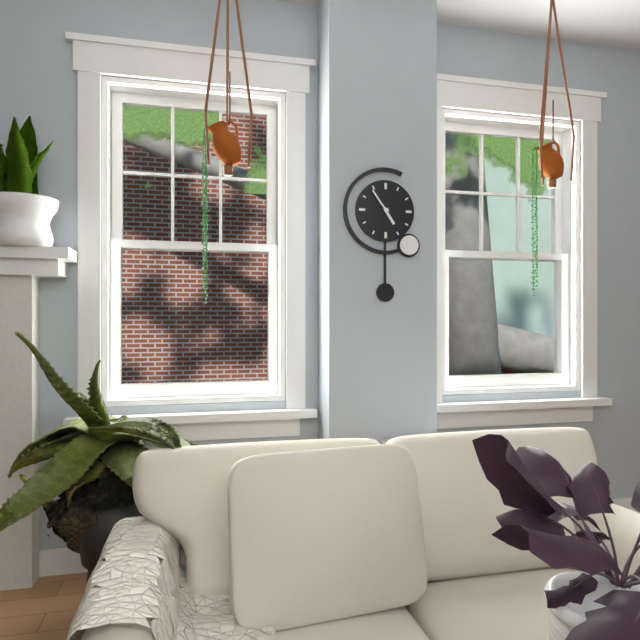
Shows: h=4 m=54
